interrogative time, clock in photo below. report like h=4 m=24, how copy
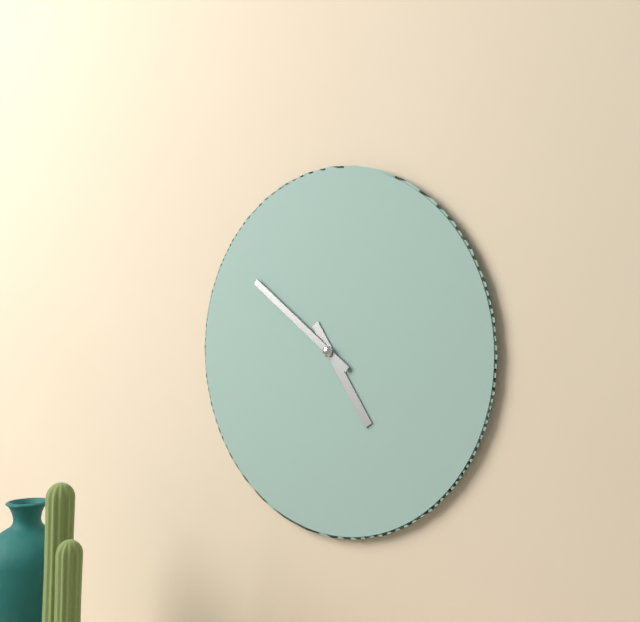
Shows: h=4 m=51
